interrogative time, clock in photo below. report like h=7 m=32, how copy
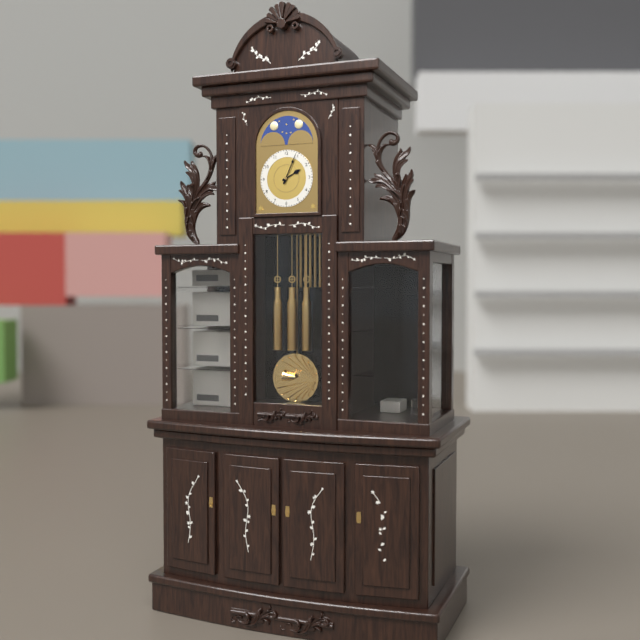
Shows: h=2 m=4
